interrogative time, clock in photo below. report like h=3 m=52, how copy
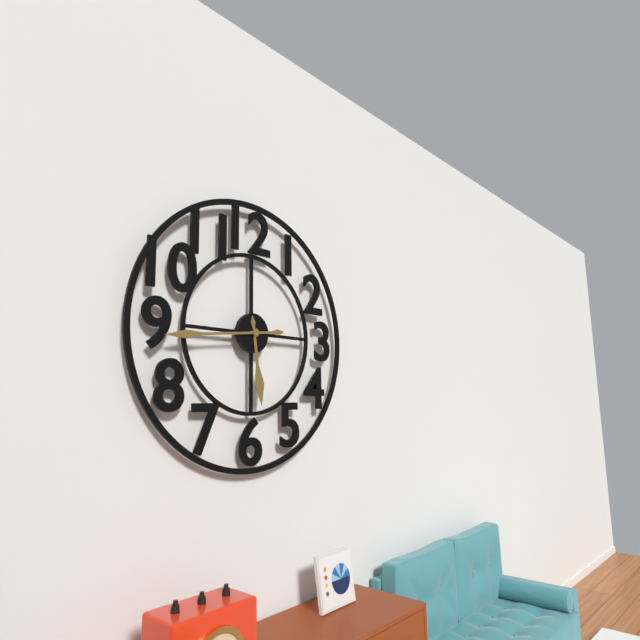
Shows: h=5 m=44
